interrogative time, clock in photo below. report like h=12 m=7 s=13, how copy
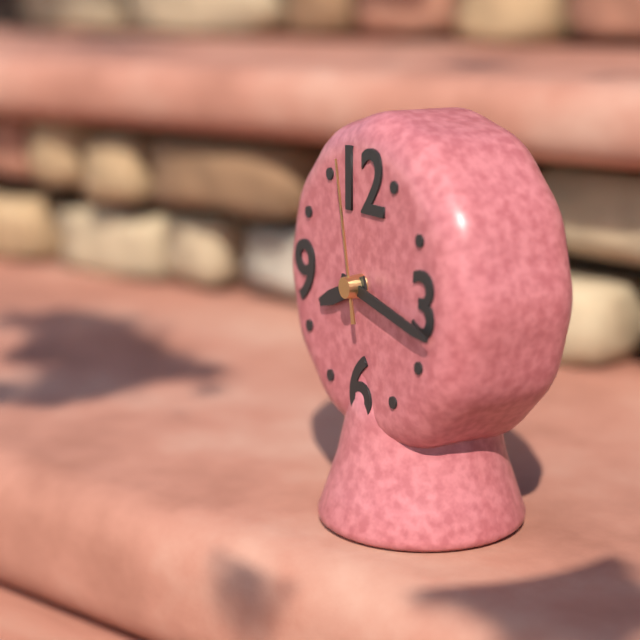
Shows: h=8 m=17 s=58
